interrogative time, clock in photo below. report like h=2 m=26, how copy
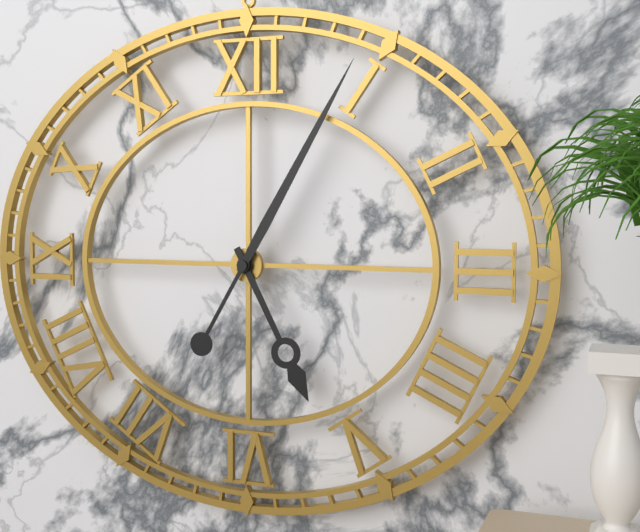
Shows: h=5 m=5
